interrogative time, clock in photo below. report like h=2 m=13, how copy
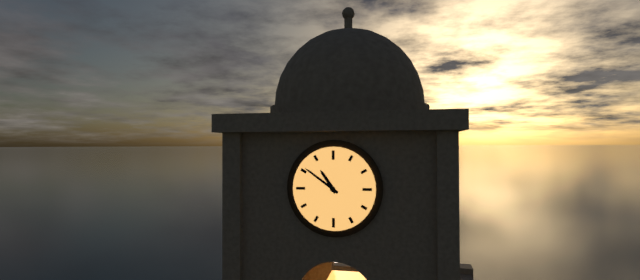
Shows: h=10 m=51
